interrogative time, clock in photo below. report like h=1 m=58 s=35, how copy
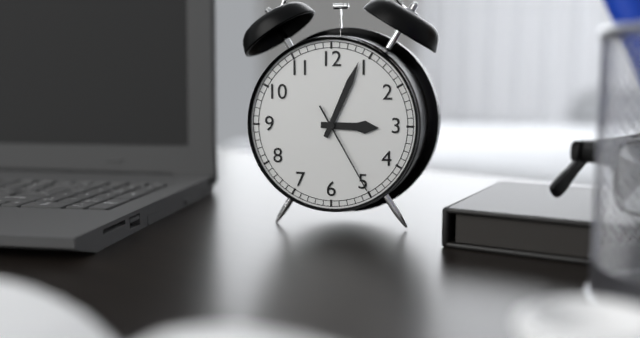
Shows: h=3 m=4 s=25
